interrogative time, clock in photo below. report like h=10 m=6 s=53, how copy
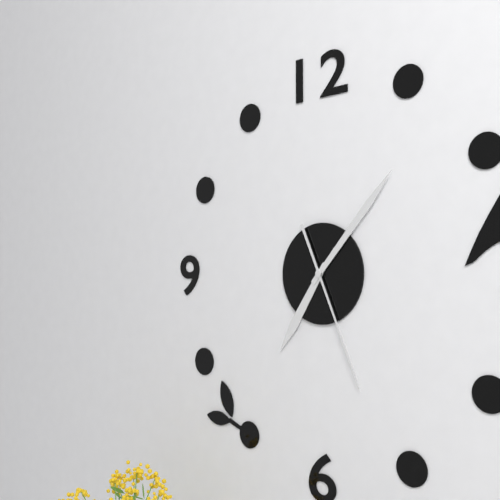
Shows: h=7 m=7 s=26
